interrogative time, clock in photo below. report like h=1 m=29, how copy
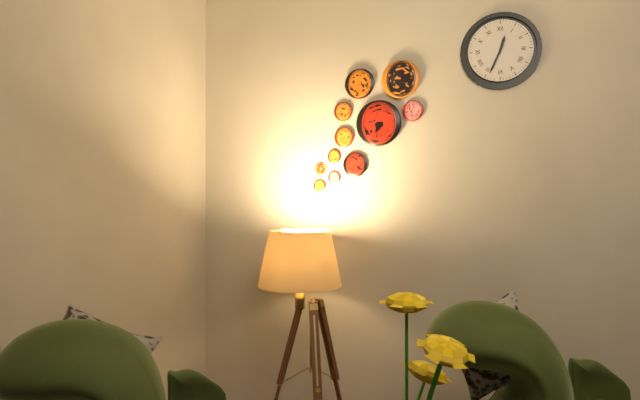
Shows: h=12 m=34
